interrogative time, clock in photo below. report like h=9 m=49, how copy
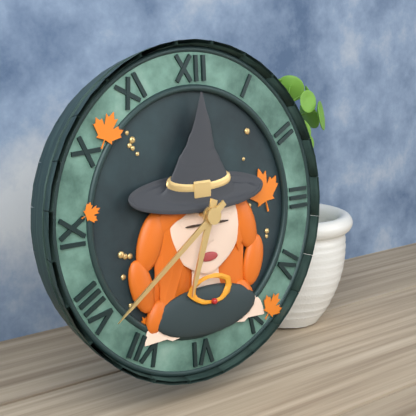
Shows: h=6 m=39
